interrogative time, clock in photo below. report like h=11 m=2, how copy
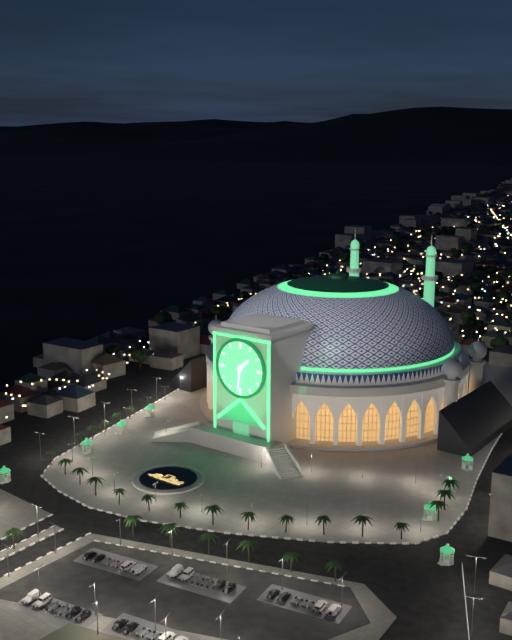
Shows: h=1 m=31
